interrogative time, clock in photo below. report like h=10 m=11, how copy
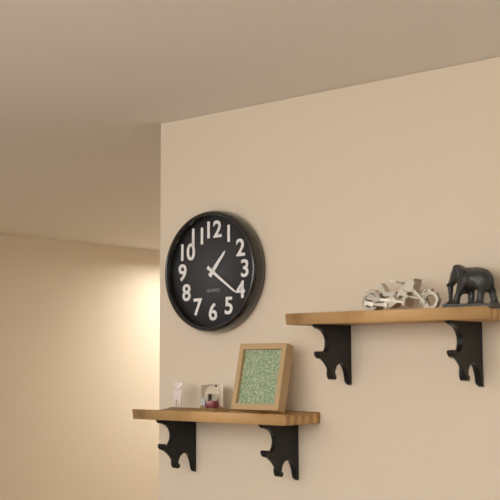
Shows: h=1 m=21
